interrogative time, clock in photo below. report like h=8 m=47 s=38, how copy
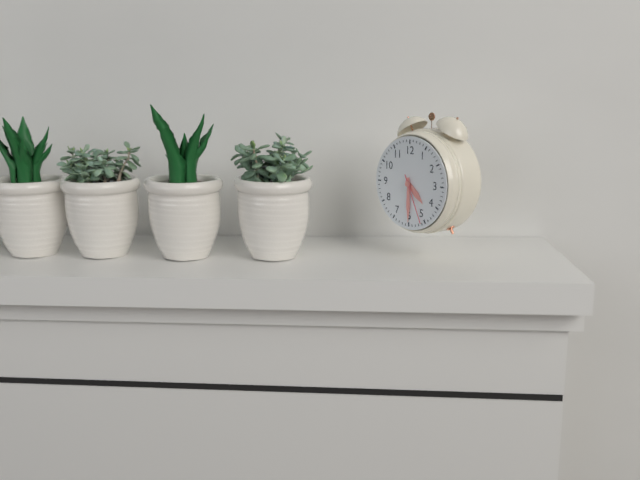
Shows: h=4 m=30 s=26
